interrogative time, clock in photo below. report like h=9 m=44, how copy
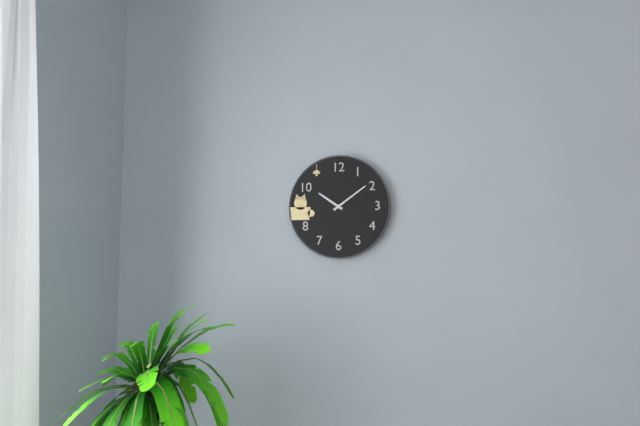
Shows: h=10 m=9
